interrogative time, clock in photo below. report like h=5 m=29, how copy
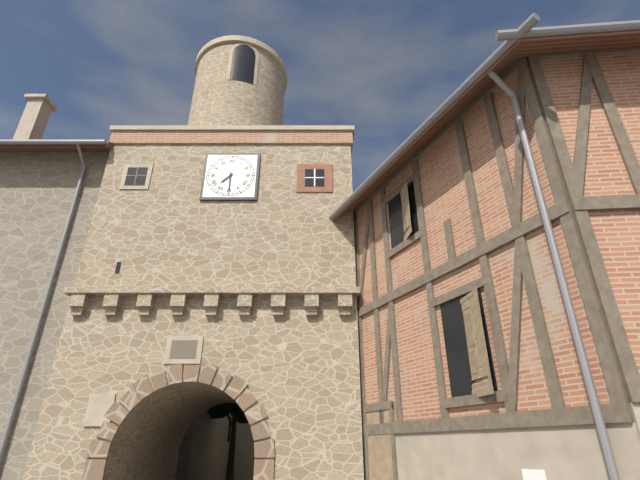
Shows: h=7 m=30
